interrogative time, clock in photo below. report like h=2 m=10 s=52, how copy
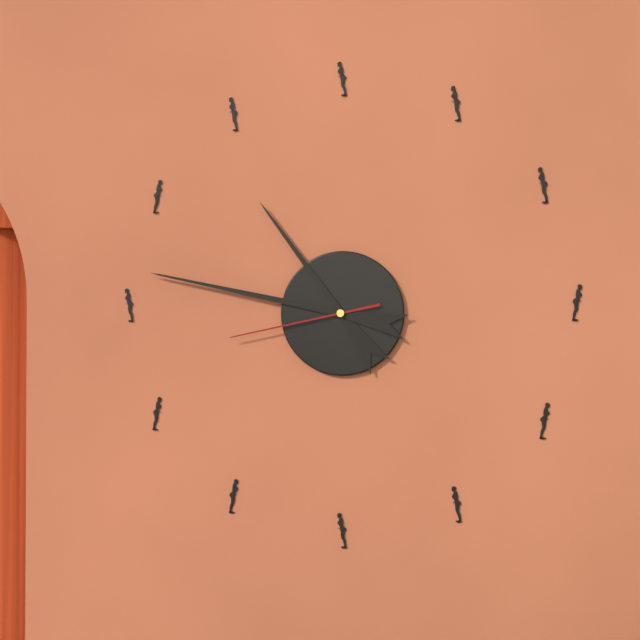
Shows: h=10 m=47 s=43
